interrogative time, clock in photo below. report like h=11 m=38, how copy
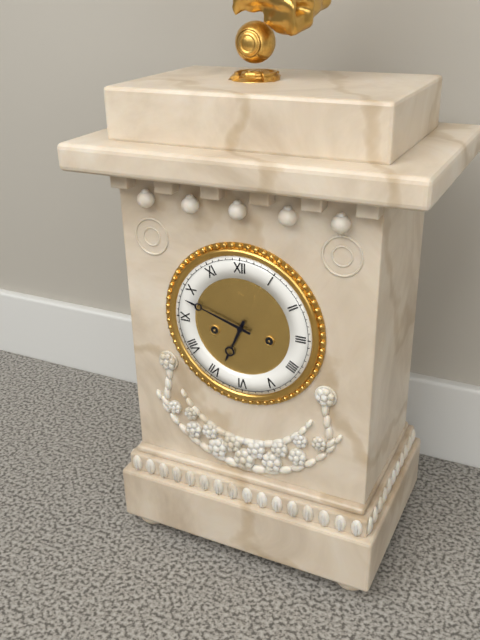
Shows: h=6 m=48
